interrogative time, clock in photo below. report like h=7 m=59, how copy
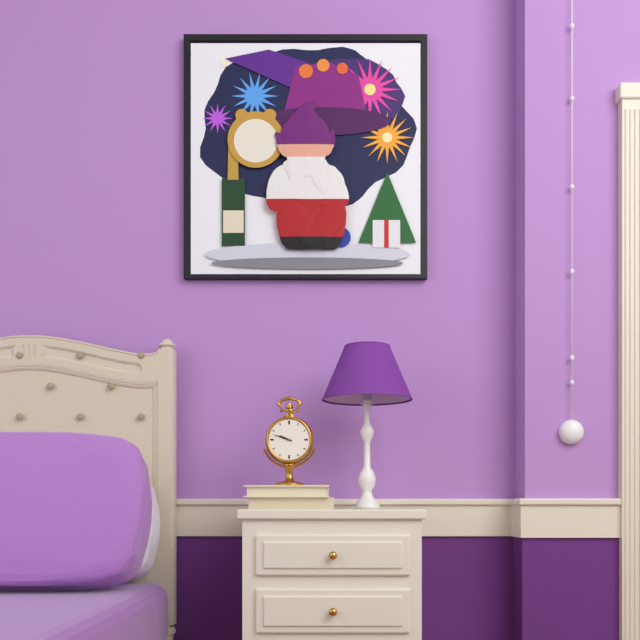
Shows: h=9 m=48
